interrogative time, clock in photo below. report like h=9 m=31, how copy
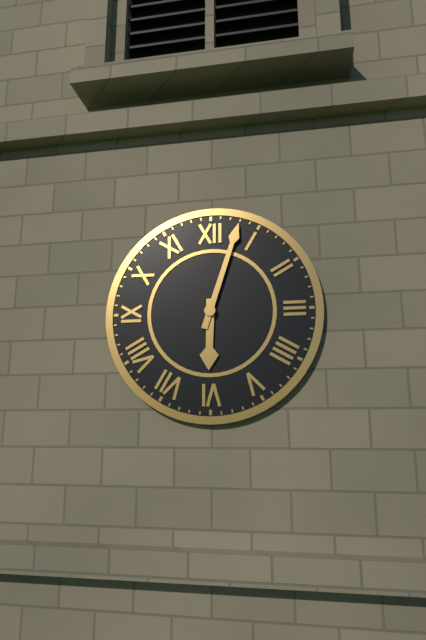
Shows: h=6 m=3
